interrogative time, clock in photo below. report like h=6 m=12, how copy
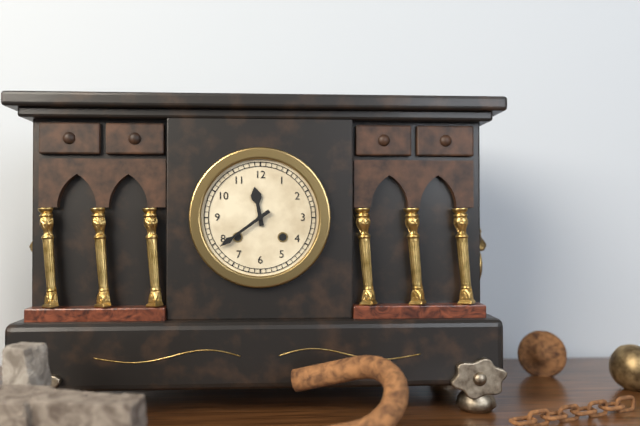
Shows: h=11 m=39
